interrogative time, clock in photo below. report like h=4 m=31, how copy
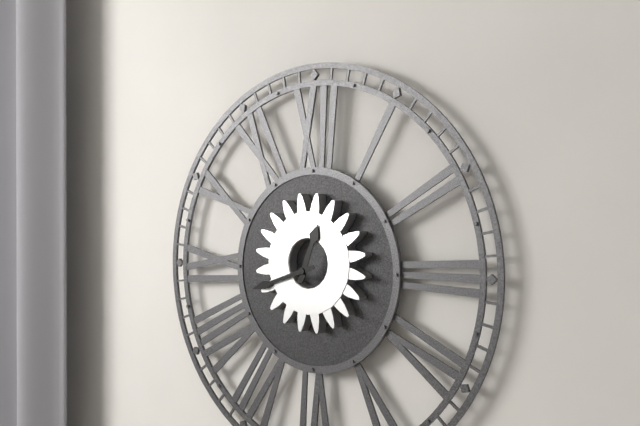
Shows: h=12 m=42
